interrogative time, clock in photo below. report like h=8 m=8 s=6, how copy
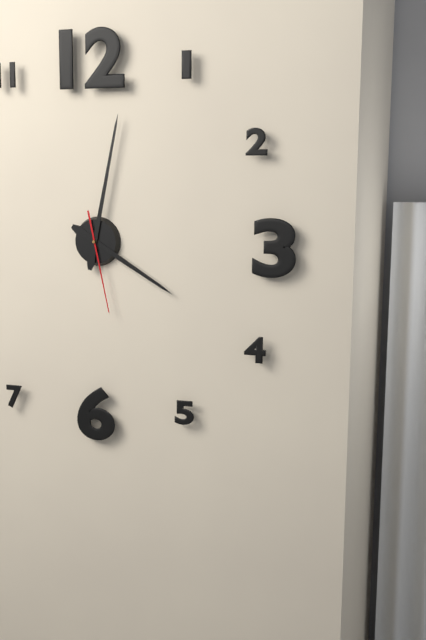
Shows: h=4 m=2 s=28
